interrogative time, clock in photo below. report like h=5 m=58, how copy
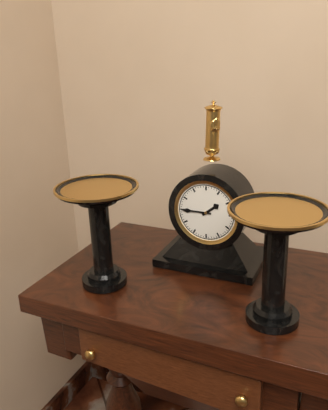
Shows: h=1 m=45
